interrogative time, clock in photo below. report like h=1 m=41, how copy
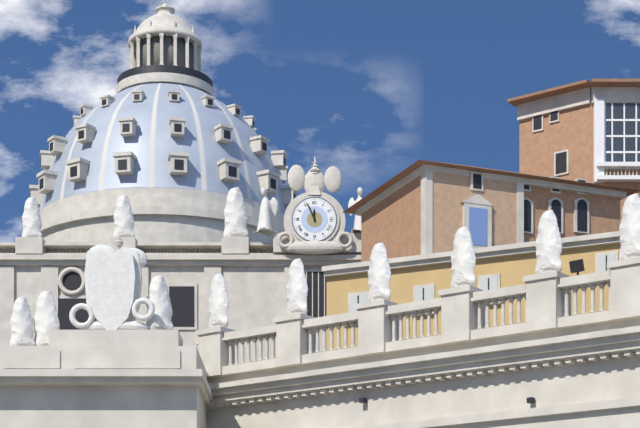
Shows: h=11 m=56
